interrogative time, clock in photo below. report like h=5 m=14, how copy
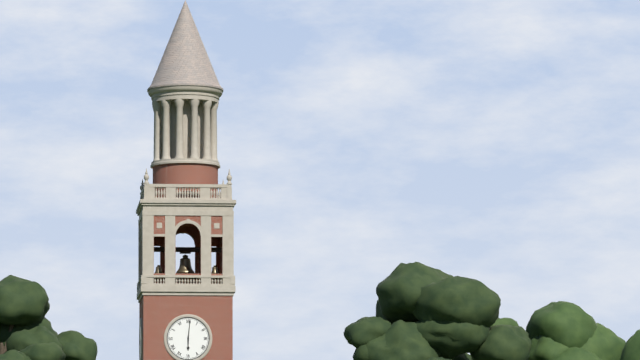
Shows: h=6 m=1
